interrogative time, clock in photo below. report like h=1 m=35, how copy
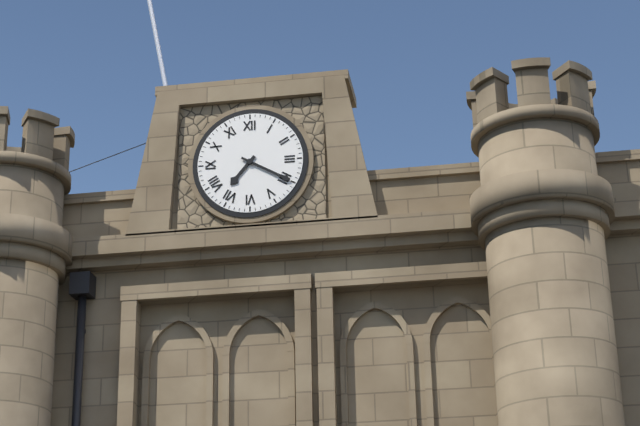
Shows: h=7 m=20
